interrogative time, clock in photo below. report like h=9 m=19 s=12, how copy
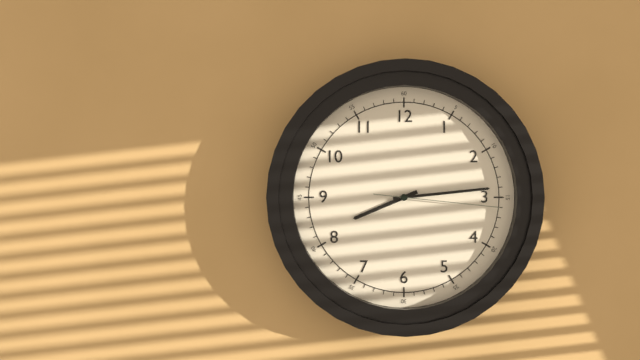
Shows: h=8 m=14 s=16
